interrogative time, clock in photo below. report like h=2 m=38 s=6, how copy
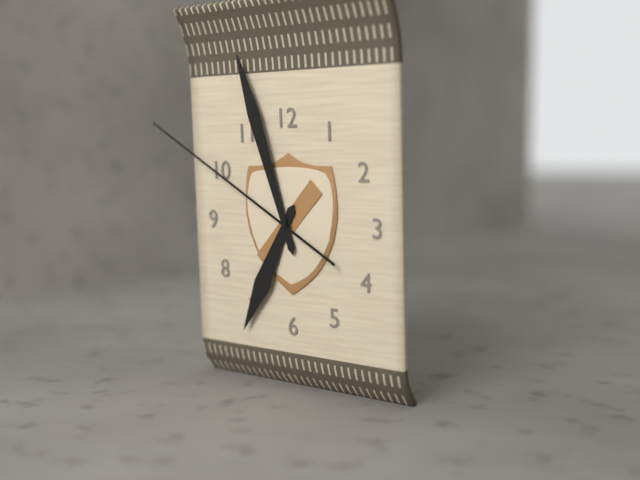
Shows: h=6 m=57 s=50
